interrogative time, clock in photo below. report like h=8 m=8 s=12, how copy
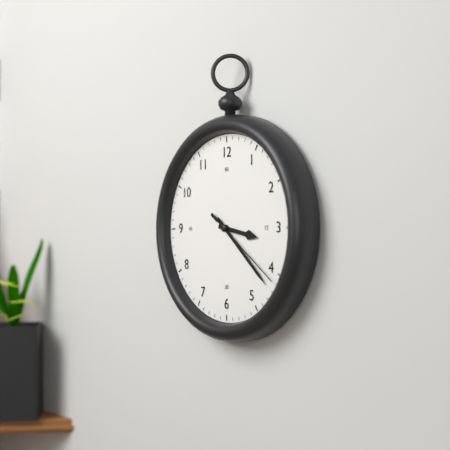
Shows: h=3 m=22 s=21
